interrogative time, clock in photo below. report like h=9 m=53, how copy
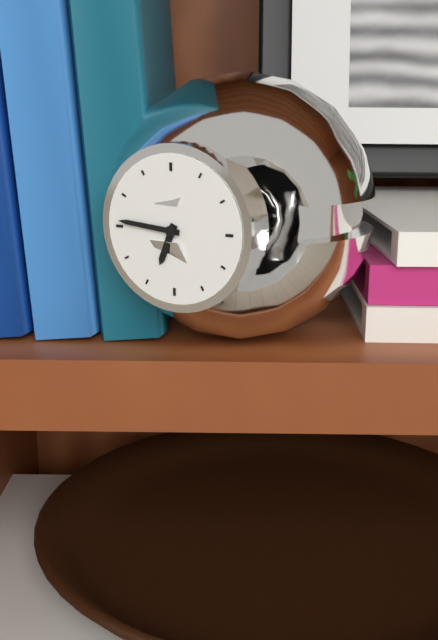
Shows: h=6 m=46
